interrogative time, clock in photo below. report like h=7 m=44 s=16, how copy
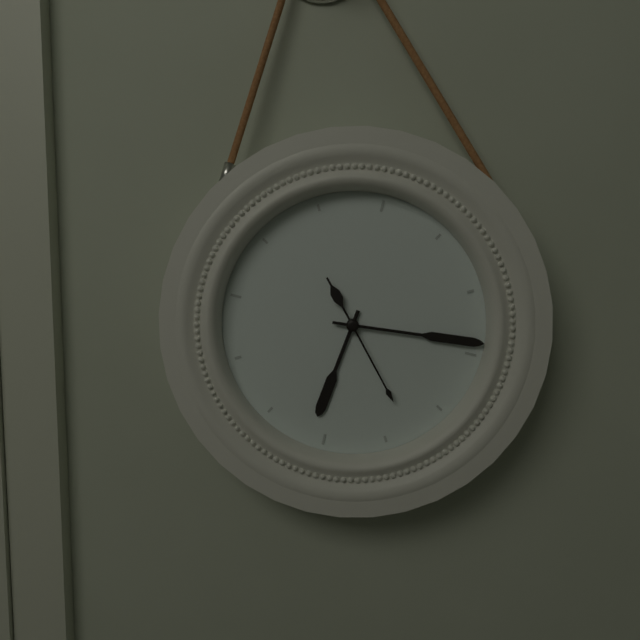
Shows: h=6 m=14 s=23
